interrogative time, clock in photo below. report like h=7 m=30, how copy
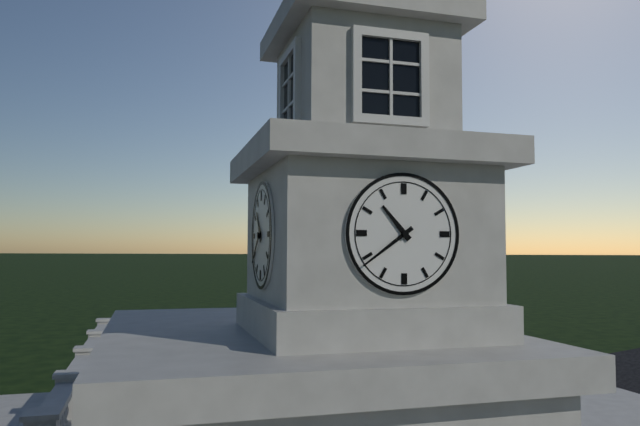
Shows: h=10 m=39
